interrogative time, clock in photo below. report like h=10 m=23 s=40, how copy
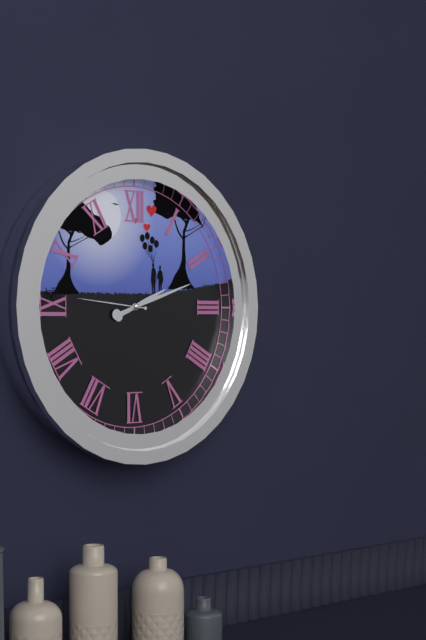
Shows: h=2 m=12 s=46
